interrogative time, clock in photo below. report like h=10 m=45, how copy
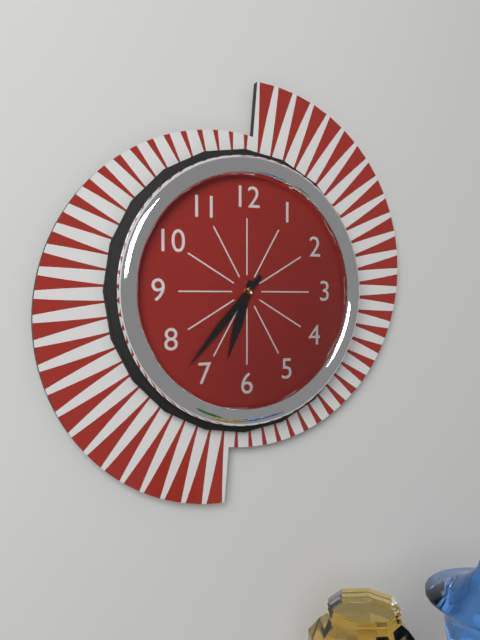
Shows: h=6 m=37
